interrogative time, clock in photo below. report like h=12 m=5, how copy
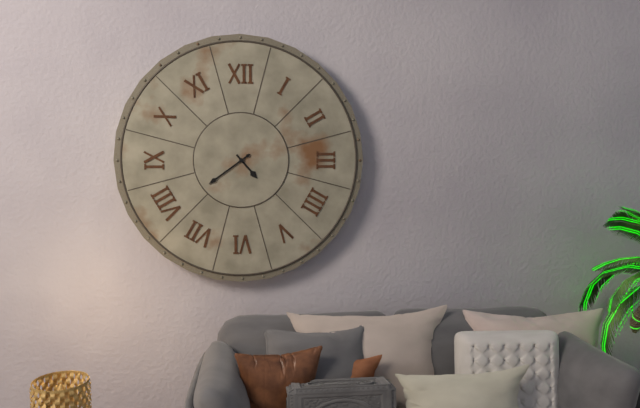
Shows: h=4 m=39
